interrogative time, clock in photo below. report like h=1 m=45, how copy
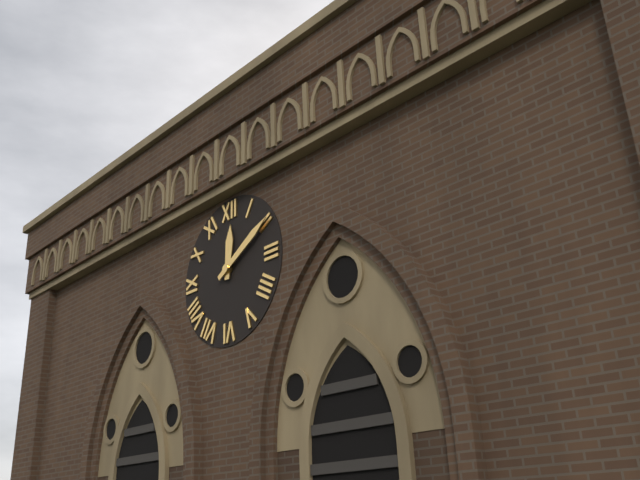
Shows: h=12 m=10
